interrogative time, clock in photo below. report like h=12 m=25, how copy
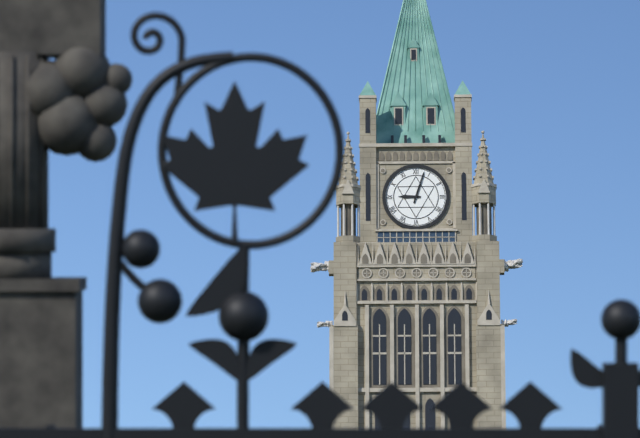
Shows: h=9 m=3
